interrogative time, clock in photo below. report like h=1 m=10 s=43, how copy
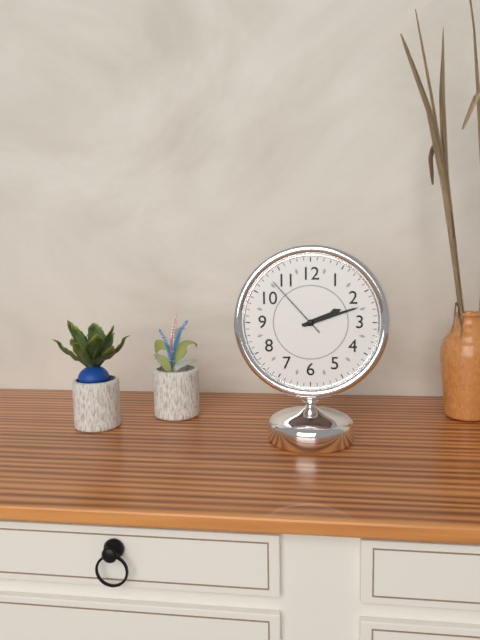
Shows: h=2 m=12 s=53
